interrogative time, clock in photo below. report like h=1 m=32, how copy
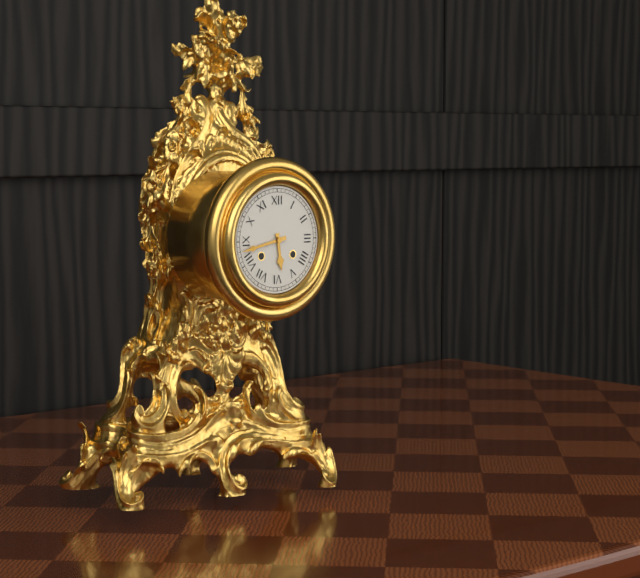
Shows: h=5 m=43
